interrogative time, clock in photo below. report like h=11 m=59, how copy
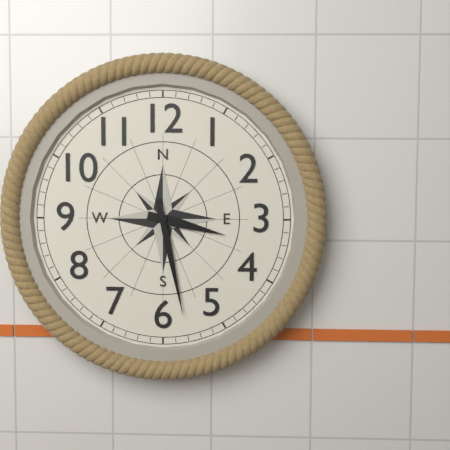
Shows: h=3 m=28
